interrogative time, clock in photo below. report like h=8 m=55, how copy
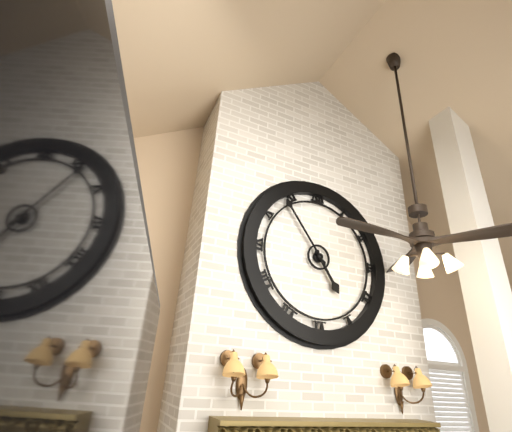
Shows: h=4 m=54
